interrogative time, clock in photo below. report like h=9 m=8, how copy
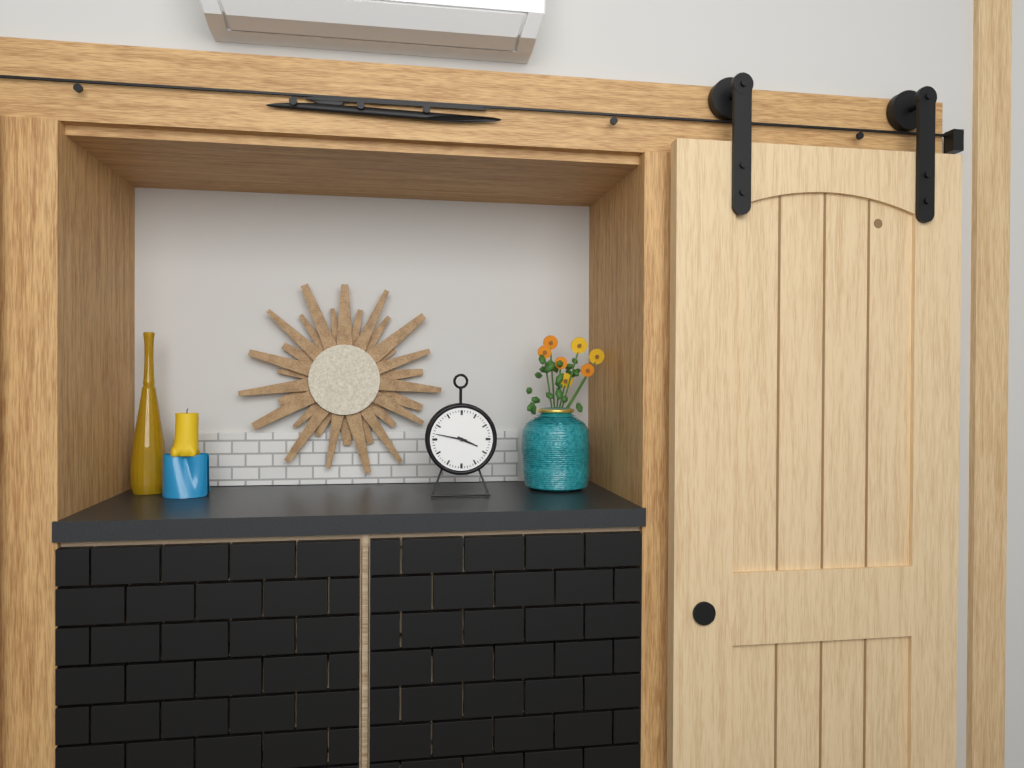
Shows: h=3 m=47
